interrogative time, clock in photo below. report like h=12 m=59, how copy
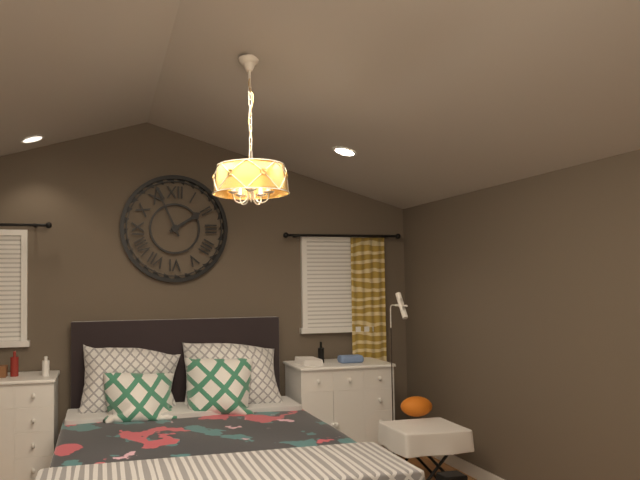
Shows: h=1 m=56
